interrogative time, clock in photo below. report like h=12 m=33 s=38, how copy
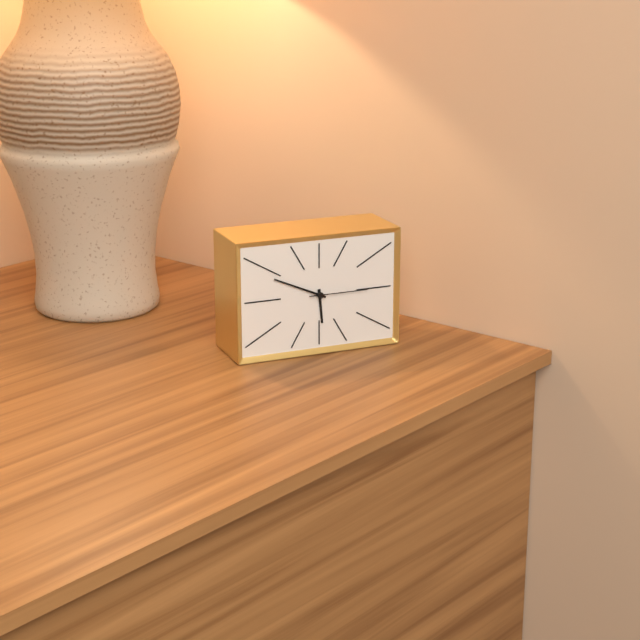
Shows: h=5 m=49 s=15
